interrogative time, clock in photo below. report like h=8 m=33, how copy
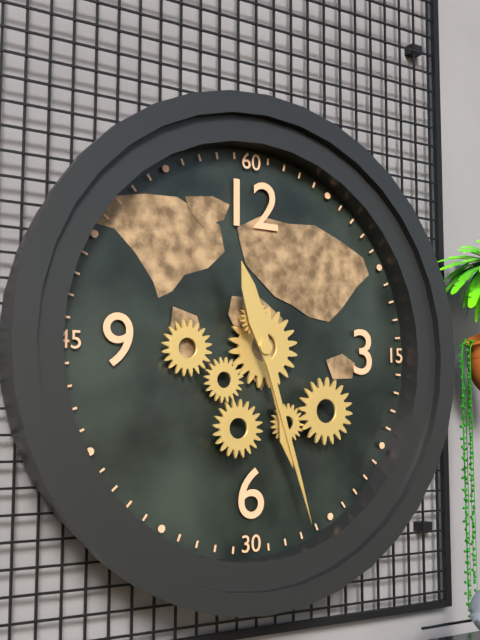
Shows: h=5 m=27
